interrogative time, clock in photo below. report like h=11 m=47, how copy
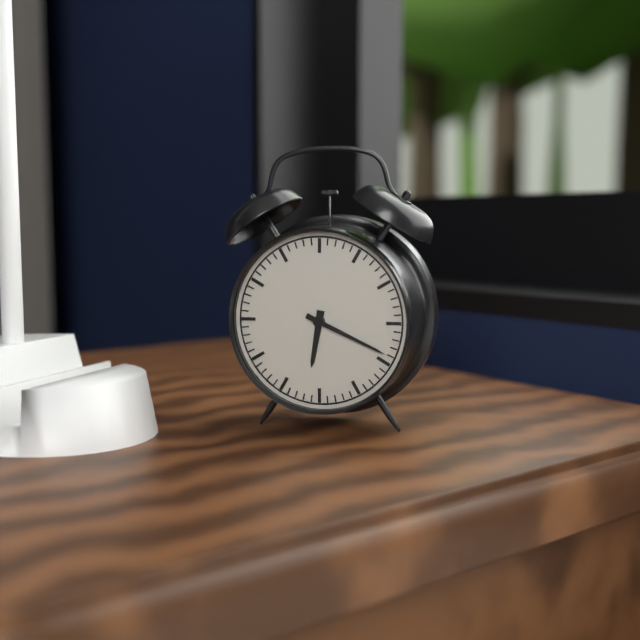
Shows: h=6 m=19
